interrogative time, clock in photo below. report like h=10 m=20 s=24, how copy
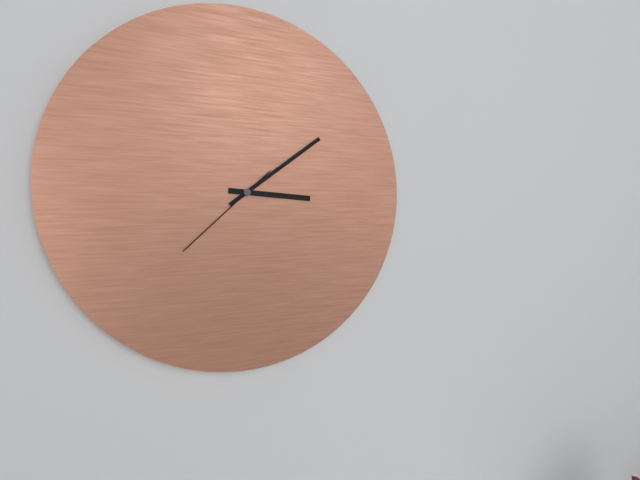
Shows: h=3 m=9 s=38
